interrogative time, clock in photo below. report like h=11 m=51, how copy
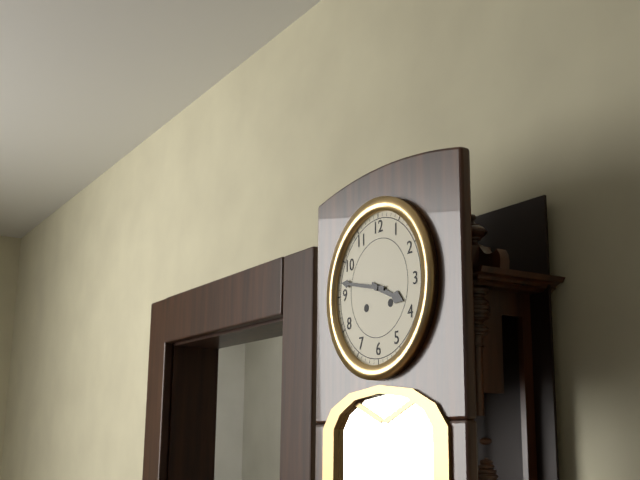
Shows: h=3 m=47
